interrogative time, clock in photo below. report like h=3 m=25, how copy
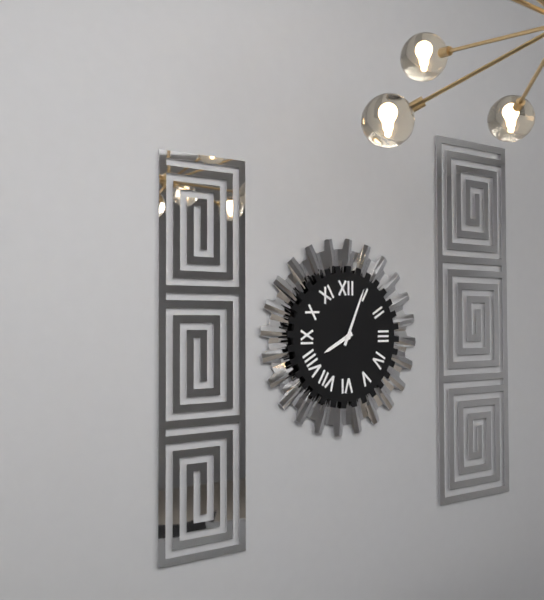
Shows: h=8 m=4
